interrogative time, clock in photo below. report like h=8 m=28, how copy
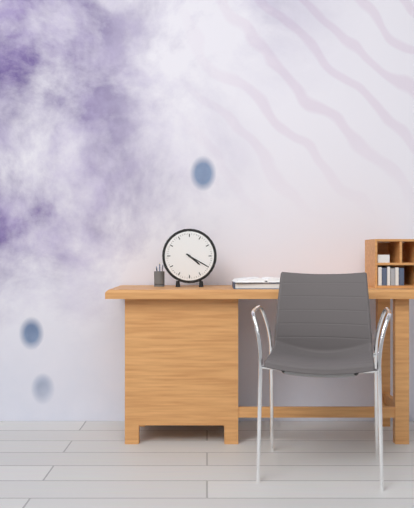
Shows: h=4 m=20
